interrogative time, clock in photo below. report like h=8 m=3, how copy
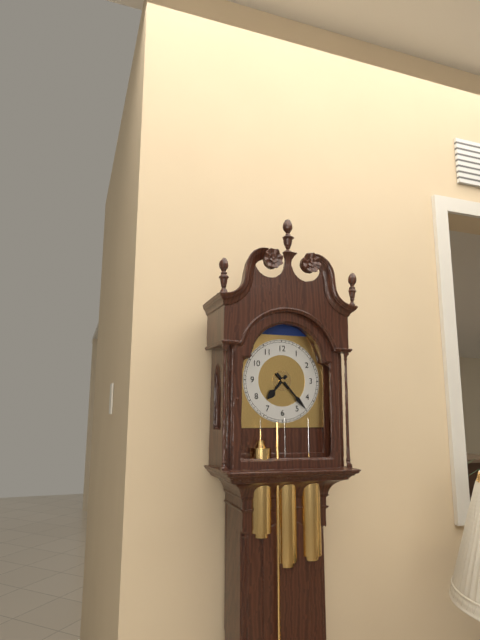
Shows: h=7 m=23
